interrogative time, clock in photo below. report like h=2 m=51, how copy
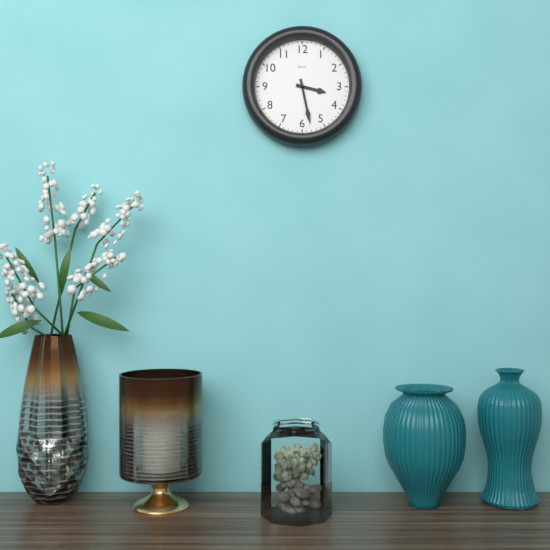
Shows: h=3 m=28
